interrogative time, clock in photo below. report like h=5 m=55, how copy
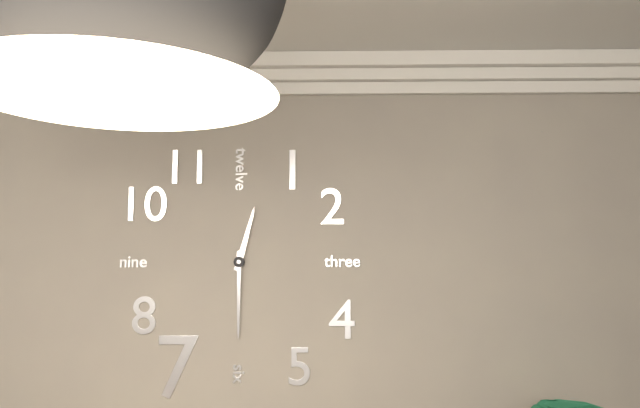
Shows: h=12 m=30
